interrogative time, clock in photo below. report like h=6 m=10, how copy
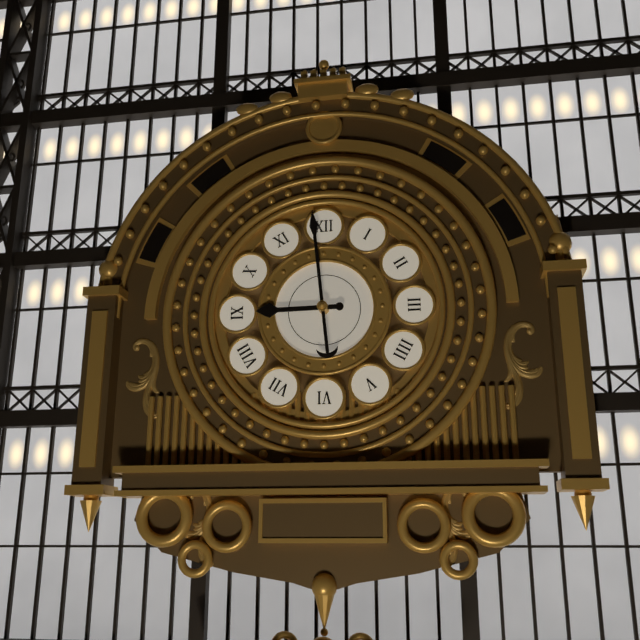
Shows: h=8 m=59
